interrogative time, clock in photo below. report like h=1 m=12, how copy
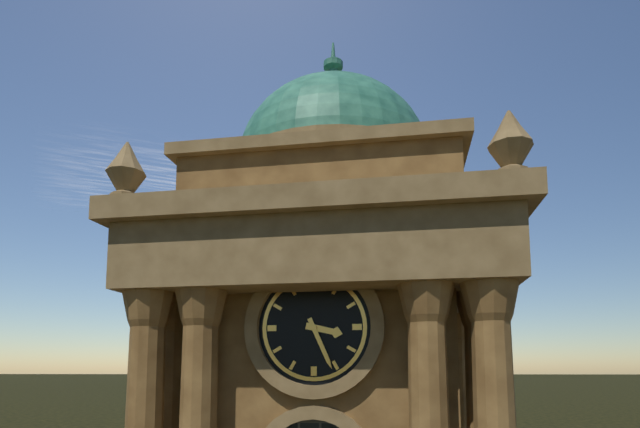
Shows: h=3 m=26
